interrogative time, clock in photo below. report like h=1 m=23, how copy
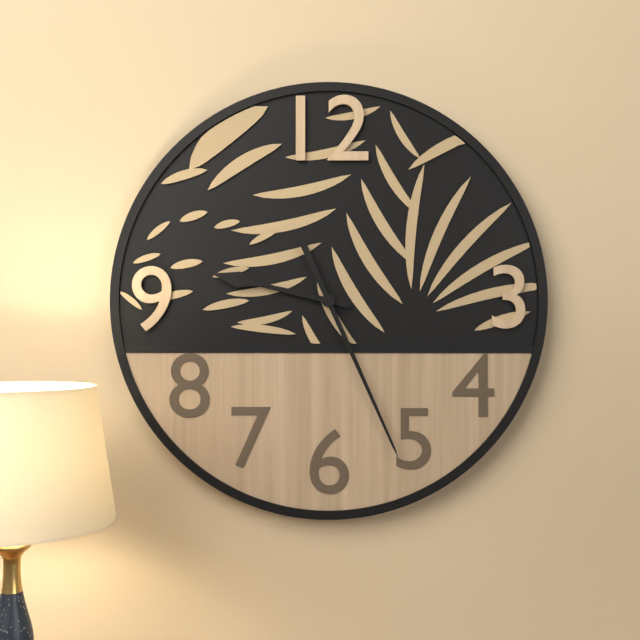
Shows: h=9 m=26
